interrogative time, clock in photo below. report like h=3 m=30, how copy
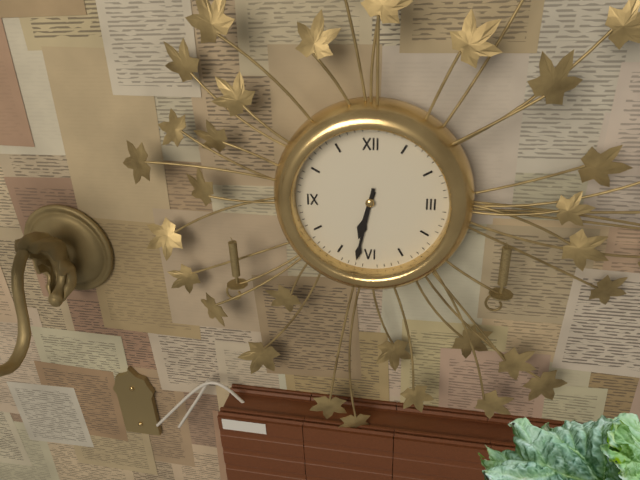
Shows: h=6 m=32
